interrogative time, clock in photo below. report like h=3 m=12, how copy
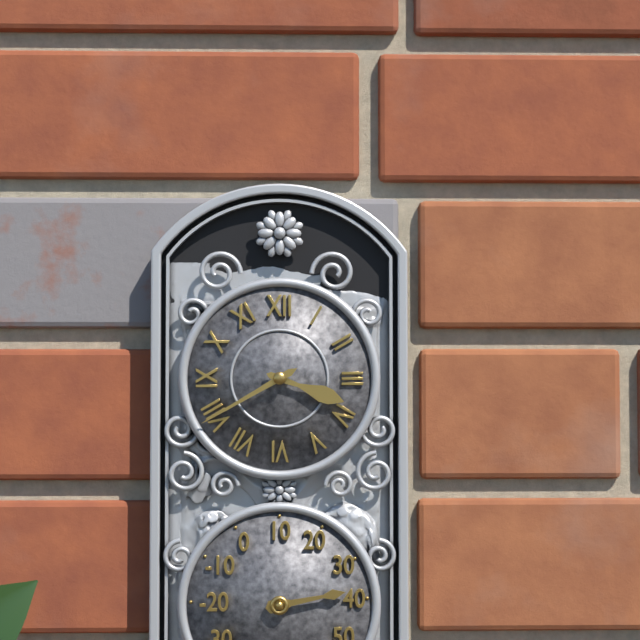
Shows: h=3 m=40
